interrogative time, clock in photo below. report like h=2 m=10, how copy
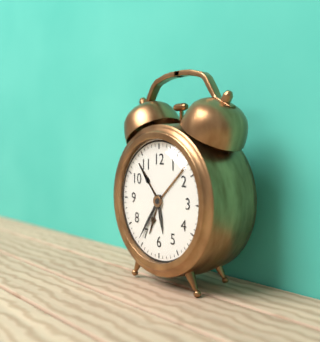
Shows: h=5 m=36
